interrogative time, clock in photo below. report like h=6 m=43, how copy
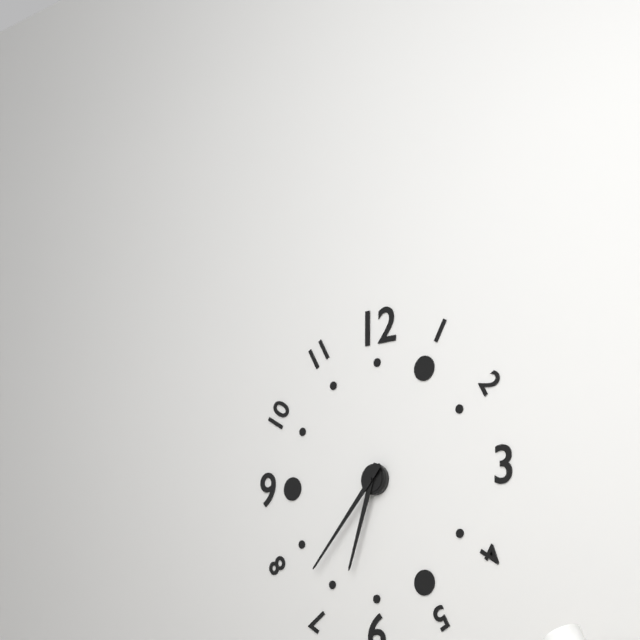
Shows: h=6 m=37
